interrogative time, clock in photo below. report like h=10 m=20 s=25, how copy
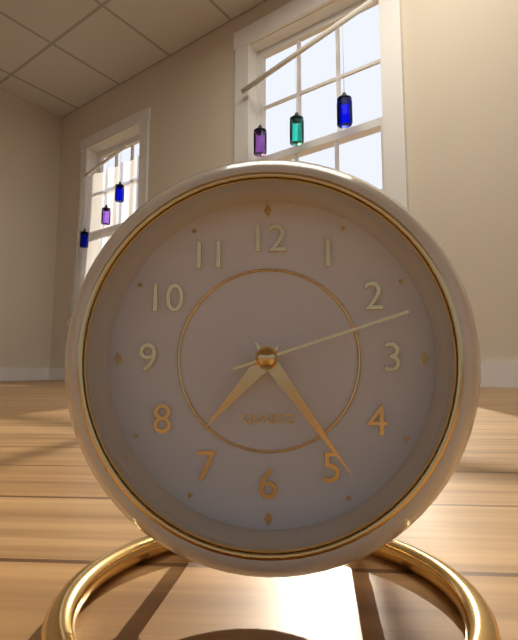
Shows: h=7 m=24 s=12
